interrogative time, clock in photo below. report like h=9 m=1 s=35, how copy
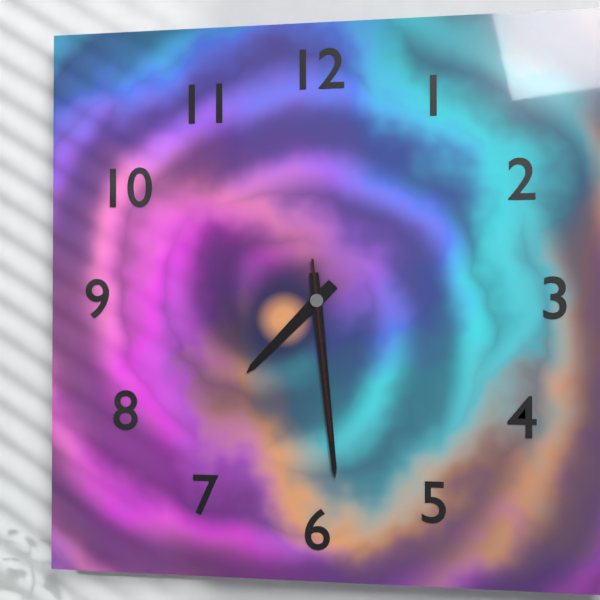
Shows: h=7 m=29 s=29
